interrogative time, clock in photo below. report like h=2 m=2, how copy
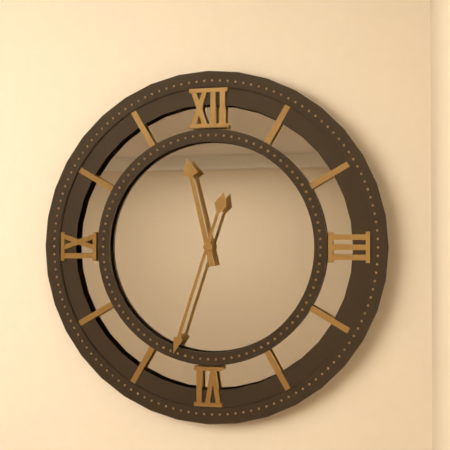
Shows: h=11 m=33
